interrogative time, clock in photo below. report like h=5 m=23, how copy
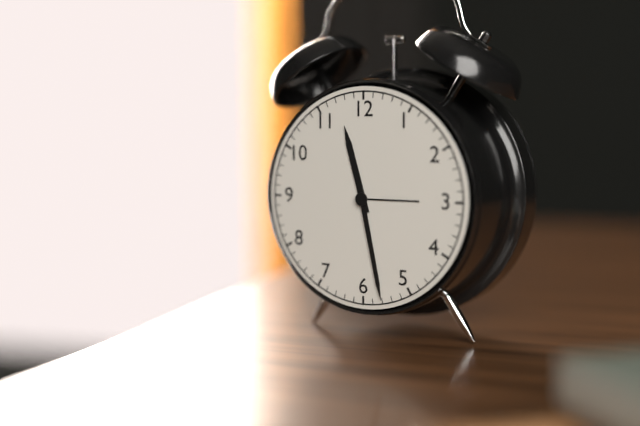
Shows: h=11 m=28
